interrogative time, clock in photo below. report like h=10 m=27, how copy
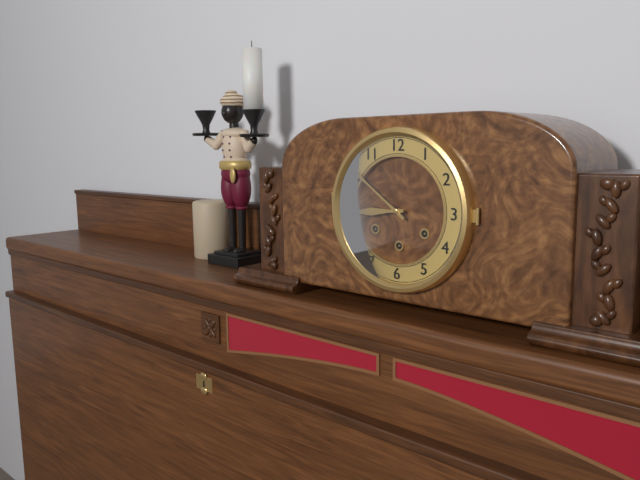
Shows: h=8 m=51
